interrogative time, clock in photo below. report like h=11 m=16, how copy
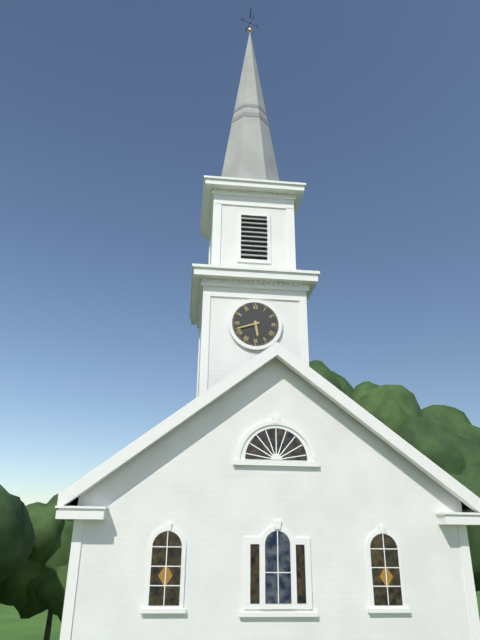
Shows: h=5 m=42
